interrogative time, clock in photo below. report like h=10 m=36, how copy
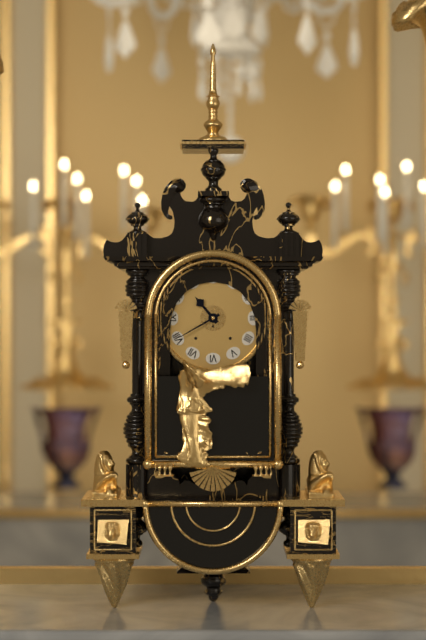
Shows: h=10 m=40
